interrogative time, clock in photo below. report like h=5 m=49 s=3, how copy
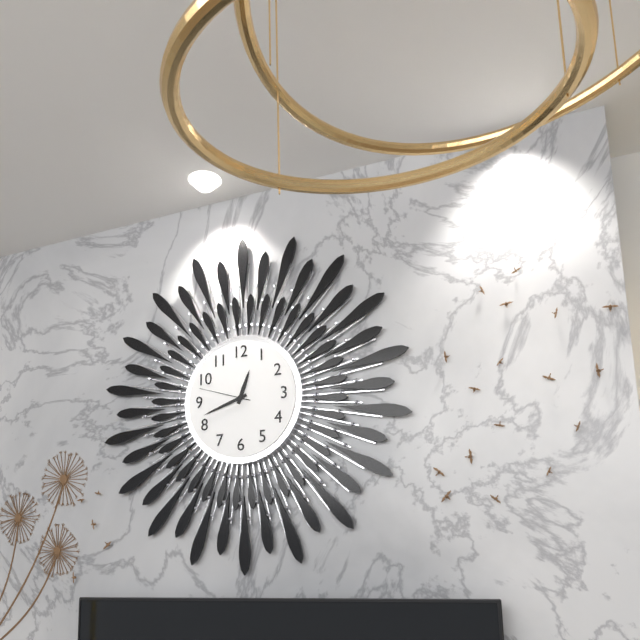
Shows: h=12 m=42 s=48
